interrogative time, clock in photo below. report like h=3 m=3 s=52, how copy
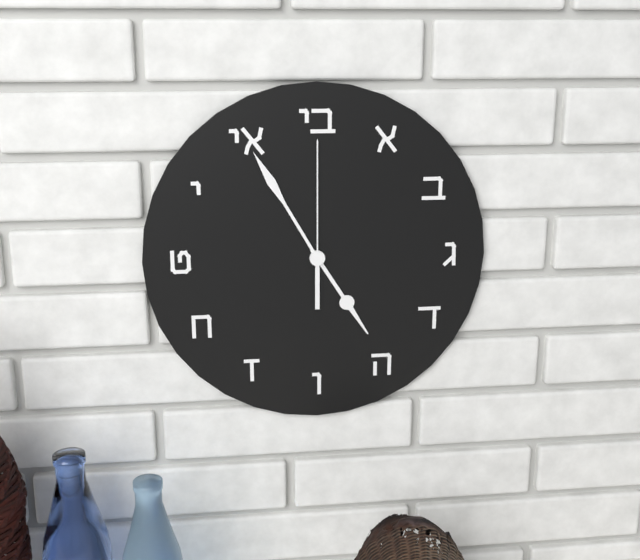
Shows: h=4 m=55 s=0
